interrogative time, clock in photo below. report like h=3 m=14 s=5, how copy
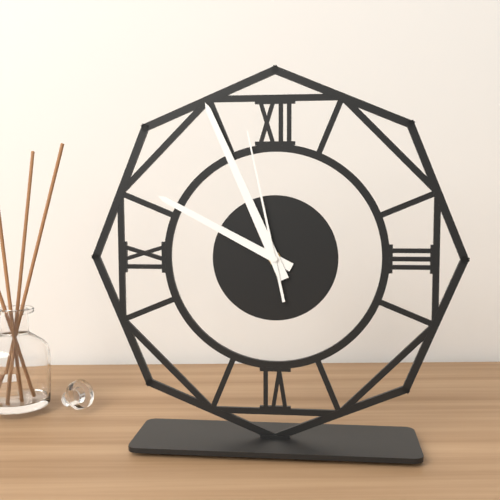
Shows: h=9 m=56 s=58
